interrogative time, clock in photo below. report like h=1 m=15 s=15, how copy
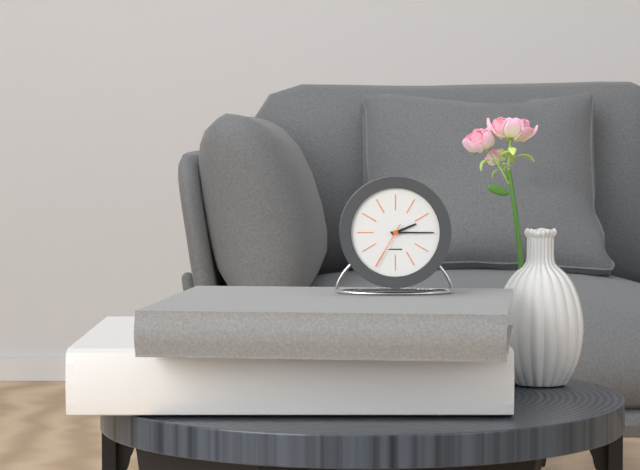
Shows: h=2 m=15 s=35
